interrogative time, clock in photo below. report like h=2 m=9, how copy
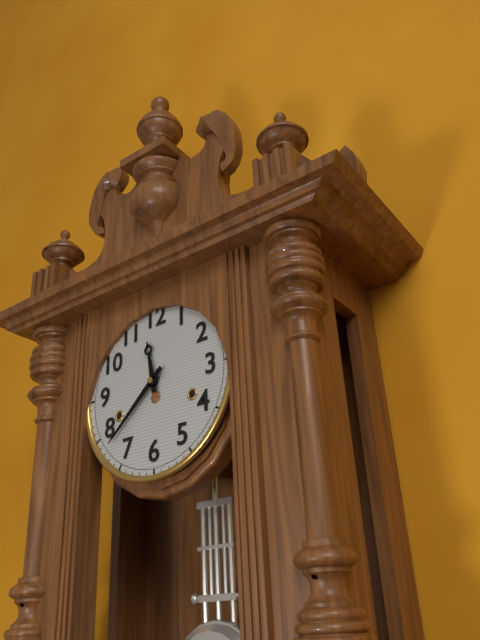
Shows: h=11 m=38
